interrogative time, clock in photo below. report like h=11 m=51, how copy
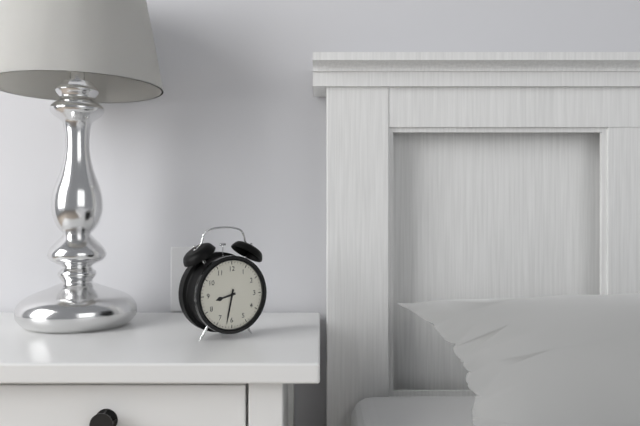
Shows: h=8 m=32
